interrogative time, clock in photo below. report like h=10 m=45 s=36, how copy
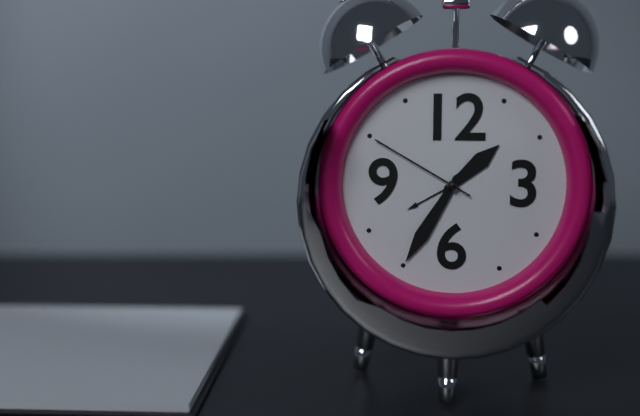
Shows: h=1 m=35 s=50
